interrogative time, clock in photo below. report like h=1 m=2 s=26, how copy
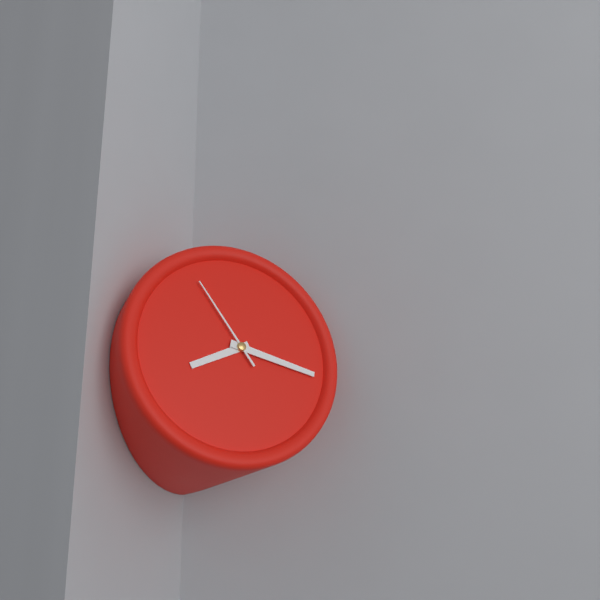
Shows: h=8 m=18 s=55
